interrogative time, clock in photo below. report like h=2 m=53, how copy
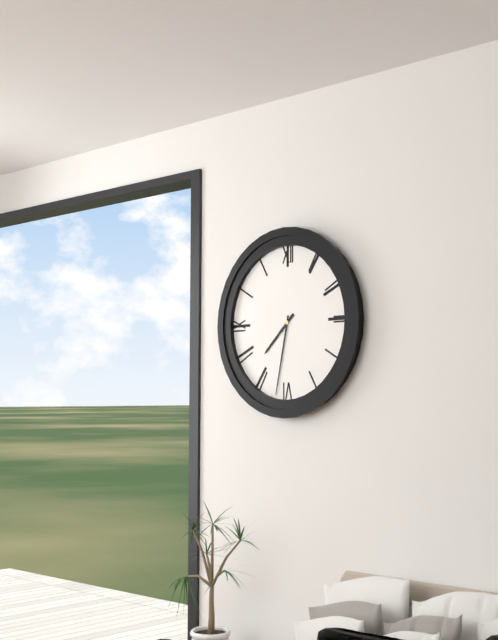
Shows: h=7 m=32
